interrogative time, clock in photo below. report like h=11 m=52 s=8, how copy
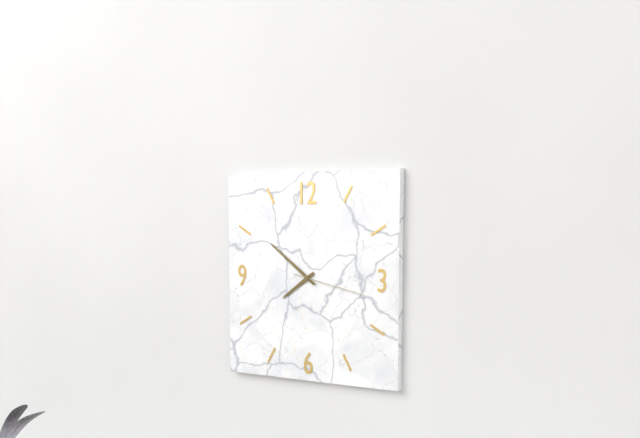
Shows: h=7 m=51 s=17
